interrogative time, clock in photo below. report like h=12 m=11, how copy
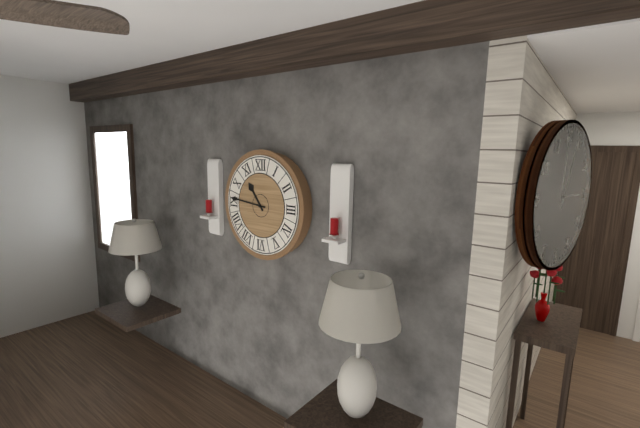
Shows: h=10 m=46
